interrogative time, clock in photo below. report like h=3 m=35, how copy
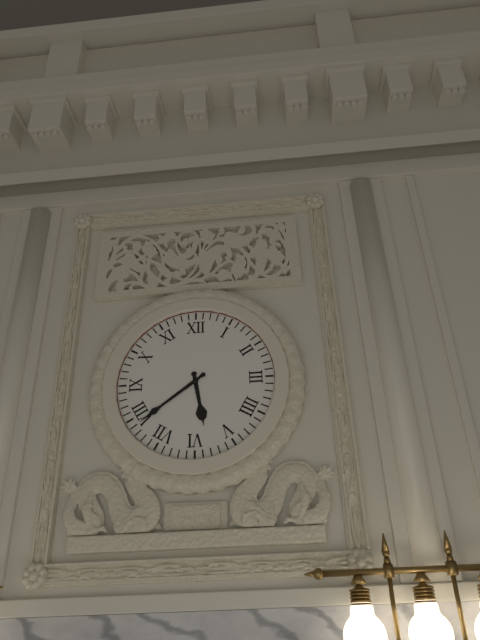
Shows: h=5 m=39
